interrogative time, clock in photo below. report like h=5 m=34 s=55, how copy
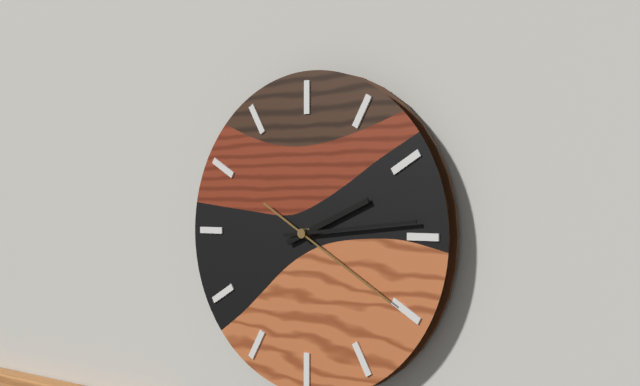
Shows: h=2 m=14 s=20
